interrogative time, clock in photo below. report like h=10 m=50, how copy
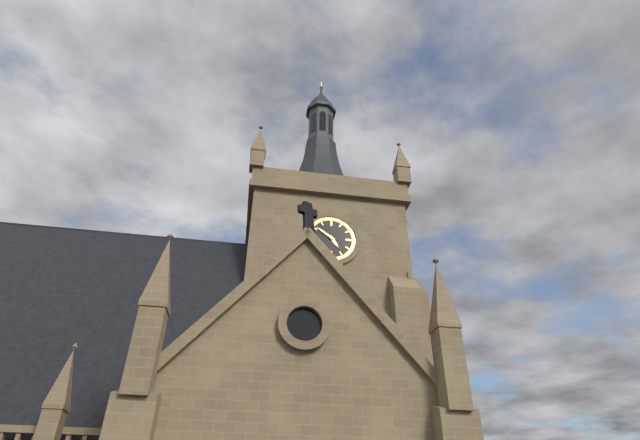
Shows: h=4 m=51
